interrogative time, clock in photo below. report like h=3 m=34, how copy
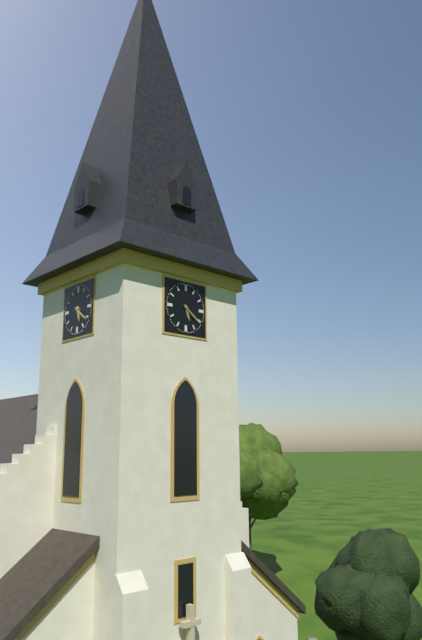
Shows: h=5 m=21
